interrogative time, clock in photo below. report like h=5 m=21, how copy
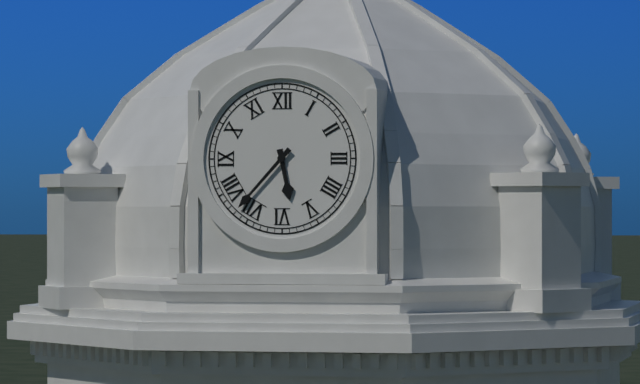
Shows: h=5 m=37
